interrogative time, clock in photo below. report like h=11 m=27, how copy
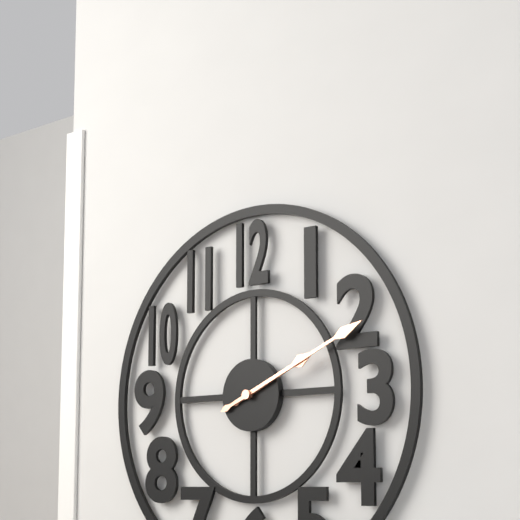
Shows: h=2 m=11
